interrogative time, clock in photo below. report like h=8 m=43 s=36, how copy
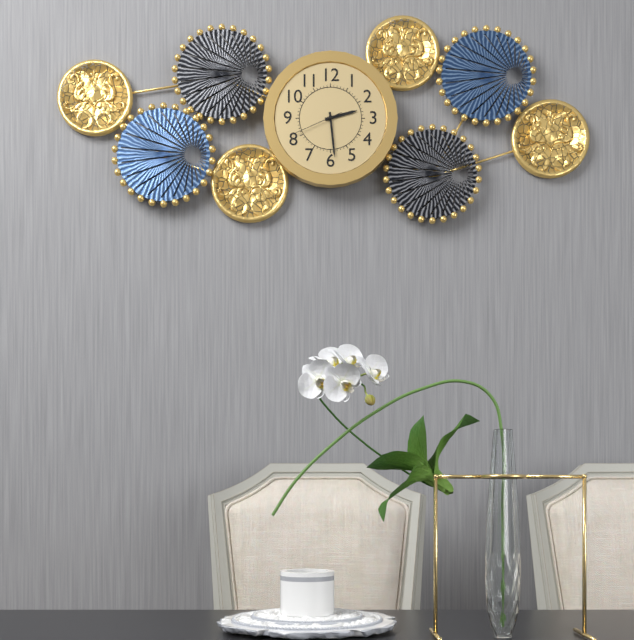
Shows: h=2 m=29 s=41
